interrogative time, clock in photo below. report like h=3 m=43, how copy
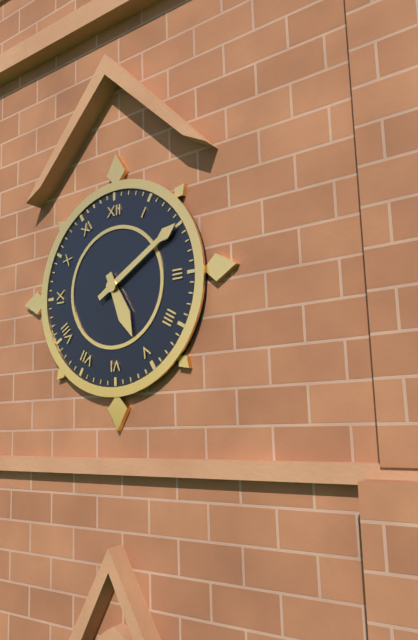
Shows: h=5 m=10
